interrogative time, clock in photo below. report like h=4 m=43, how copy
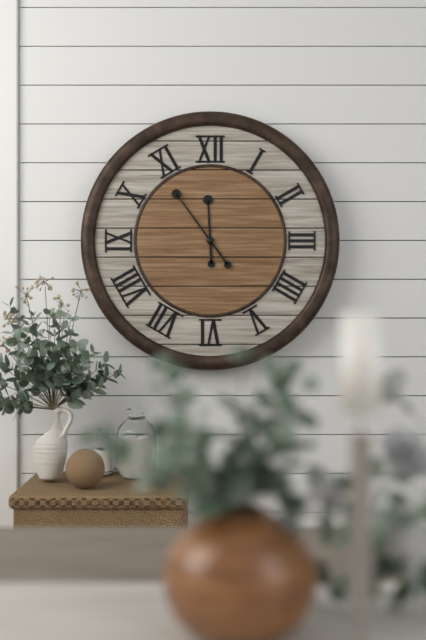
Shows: h=11 m=54
